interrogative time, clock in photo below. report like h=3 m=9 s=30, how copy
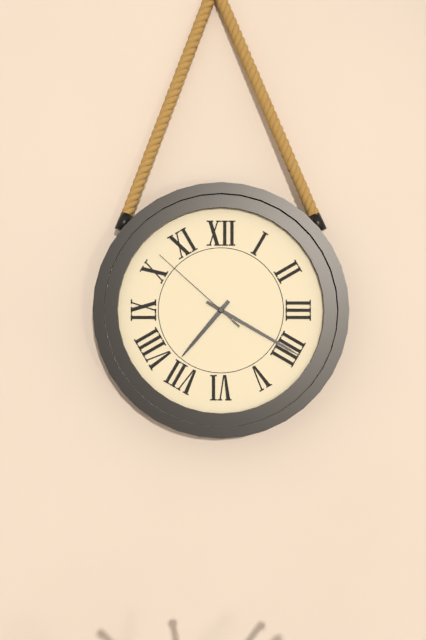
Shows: h=7 m=20 s=52
